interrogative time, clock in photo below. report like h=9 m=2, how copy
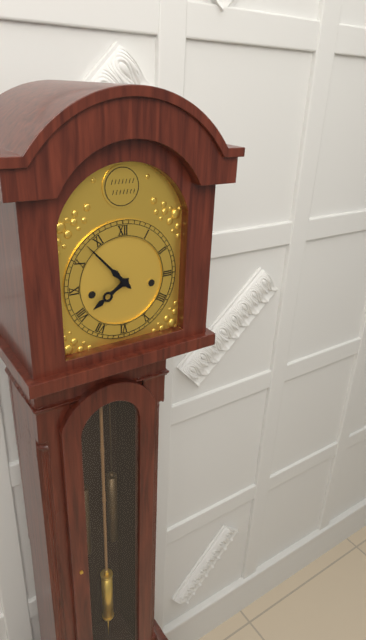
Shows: h=7 m=53
